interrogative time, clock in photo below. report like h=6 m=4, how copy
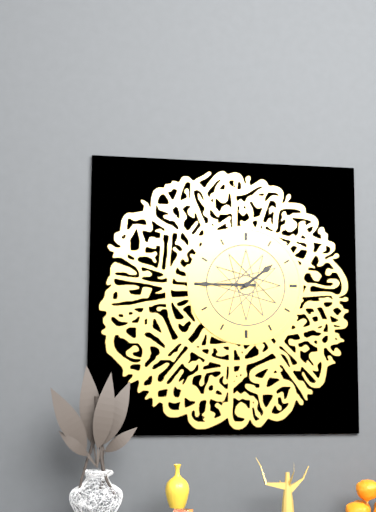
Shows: h=1 m=45
